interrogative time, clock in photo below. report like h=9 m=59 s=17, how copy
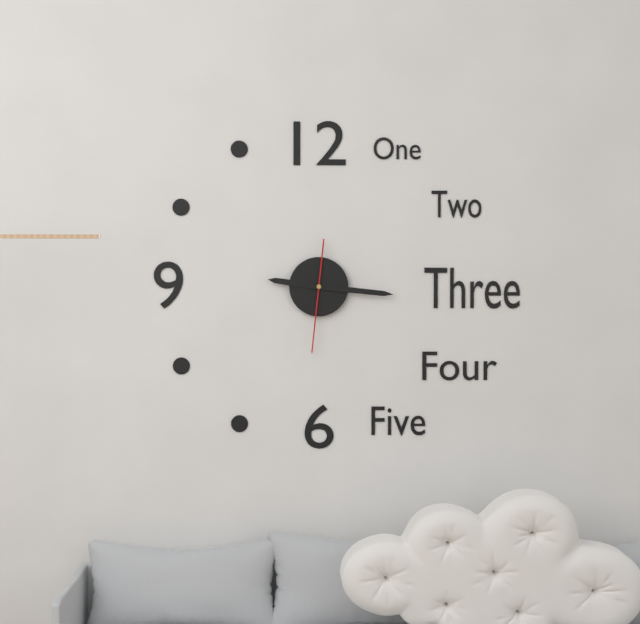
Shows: h=9 m=16 s=31
